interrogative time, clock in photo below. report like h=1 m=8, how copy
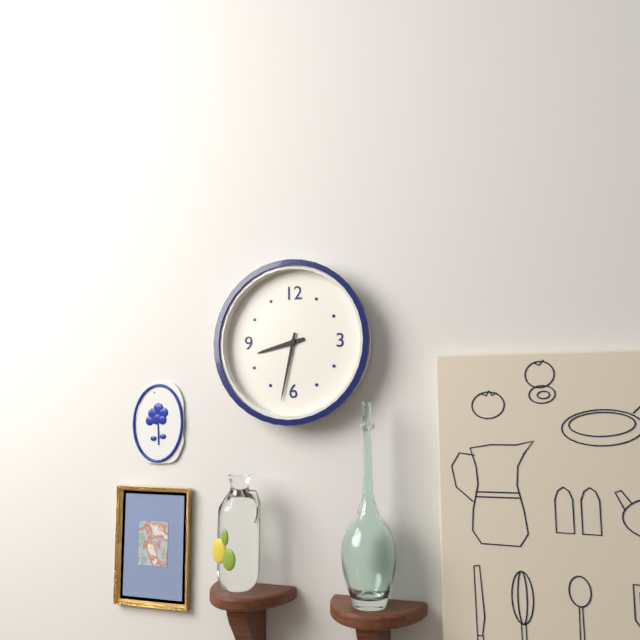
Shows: h=8 m=32
